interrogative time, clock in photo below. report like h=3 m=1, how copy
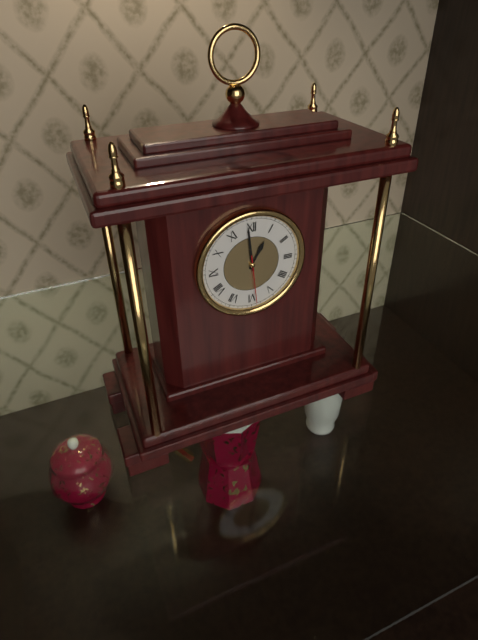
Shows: h=12 m=59
